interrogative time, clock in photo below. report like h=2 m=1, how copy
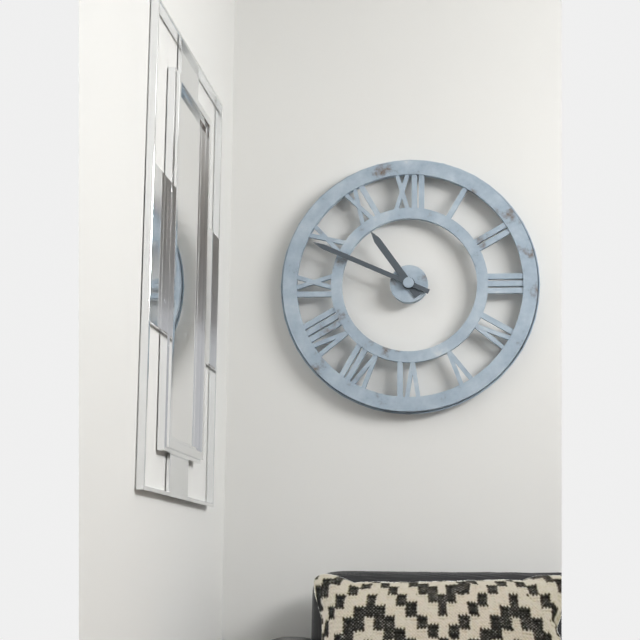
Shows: h=10 m=49
